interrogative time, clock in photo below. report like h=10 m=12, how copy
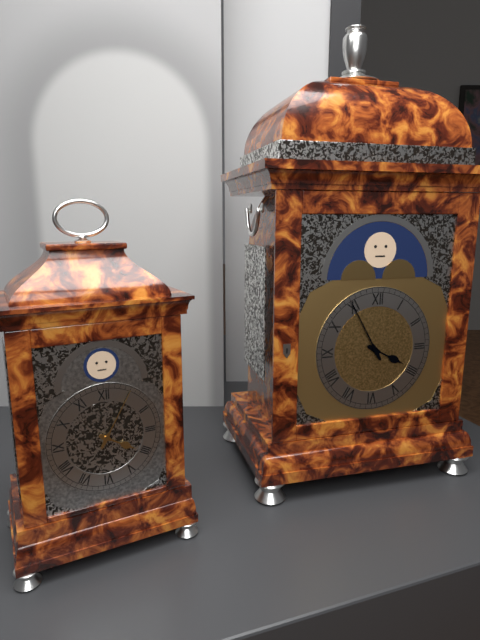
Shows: h=3 m=55
